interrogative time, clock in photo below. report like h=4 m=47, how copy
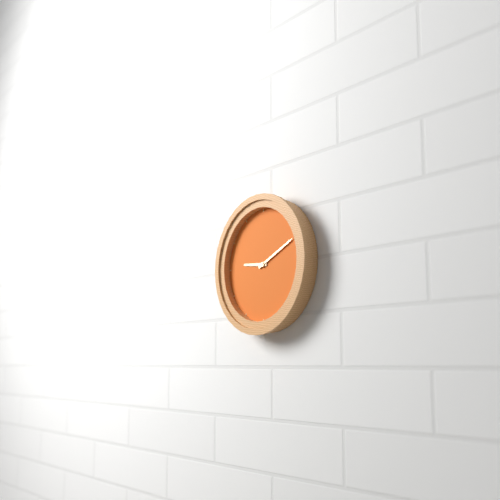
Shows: h=9 m=11
